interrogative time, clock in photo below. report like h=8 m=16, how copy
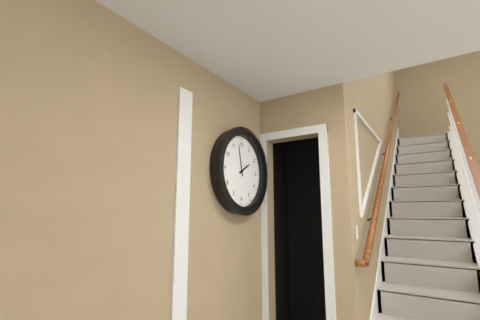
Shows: h=1 m=58
